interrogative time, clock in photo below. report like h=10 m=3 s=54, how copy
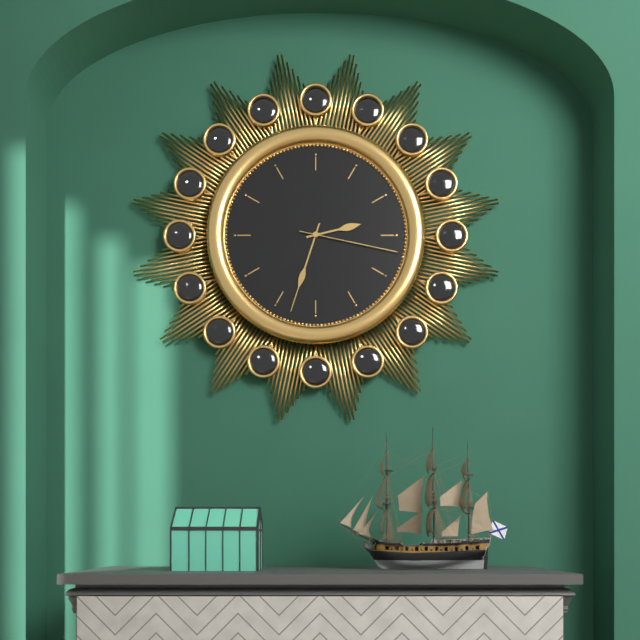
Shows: h=2 m=33 s=17
